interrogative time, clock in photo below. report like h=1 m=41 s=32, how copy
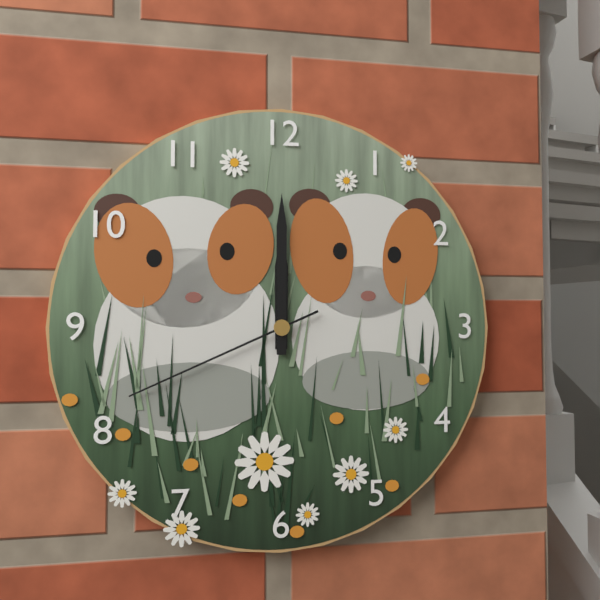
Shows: h=12 m=0 s=41
